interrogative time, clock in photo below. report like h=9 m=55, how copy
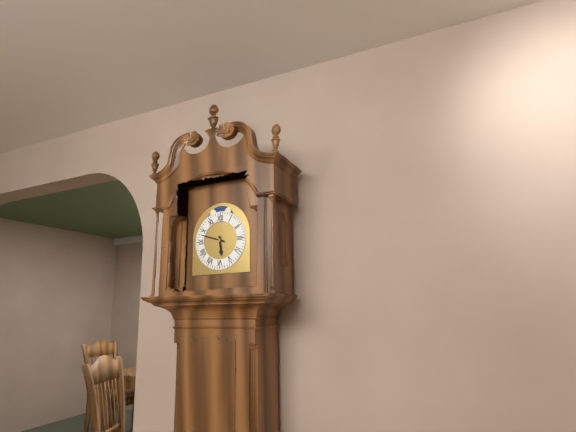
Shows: h=5 m=48
